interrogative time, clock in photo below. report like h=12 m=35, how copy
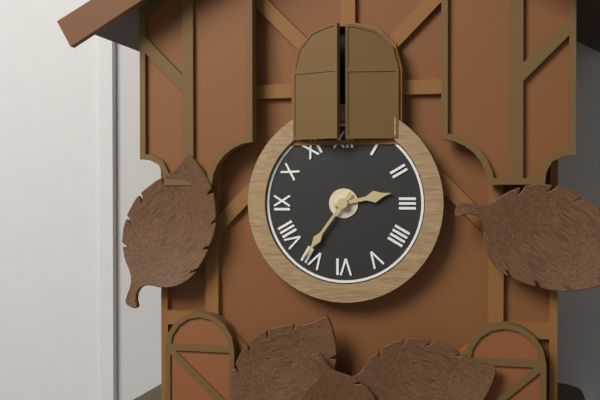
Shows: h=2 m=36
